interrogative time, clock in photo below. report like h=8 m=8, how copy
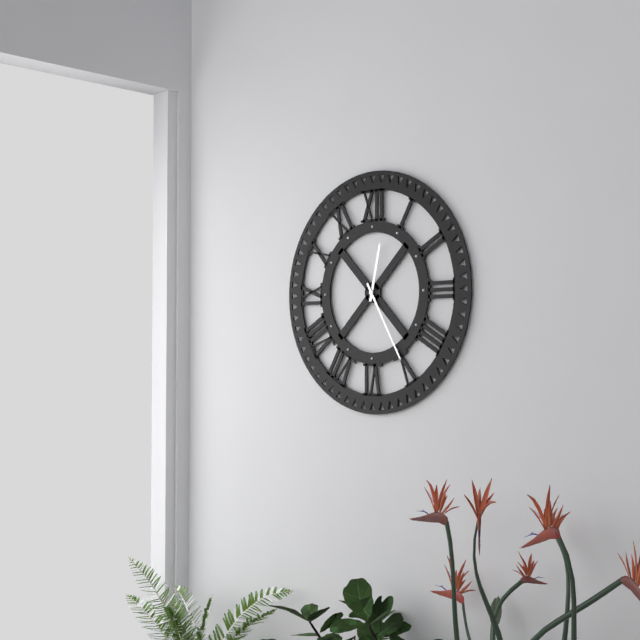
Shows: h=12 m=25
